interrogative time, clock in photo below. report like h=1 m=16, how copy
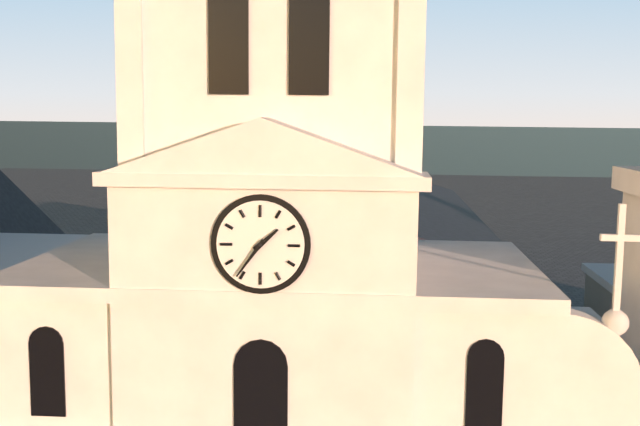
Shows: h=1 m=36
